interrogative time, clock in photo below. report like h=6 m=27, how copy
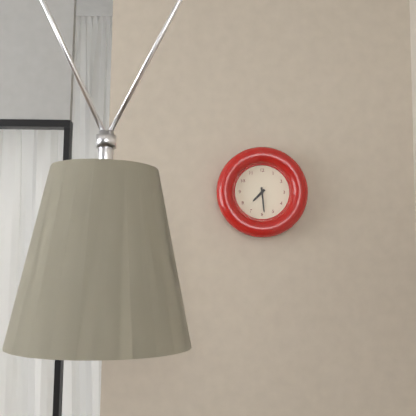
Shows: h=7 m=29
